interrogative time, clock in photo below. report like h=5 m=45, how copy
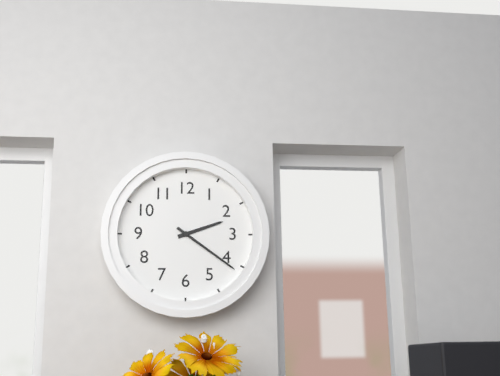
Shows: h=2 m=21
